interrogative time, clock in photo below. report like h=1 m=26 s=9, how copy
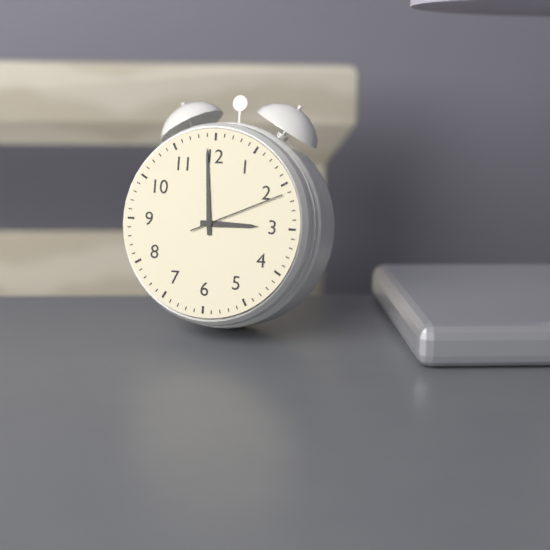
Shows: h=2 m=59 s=11
